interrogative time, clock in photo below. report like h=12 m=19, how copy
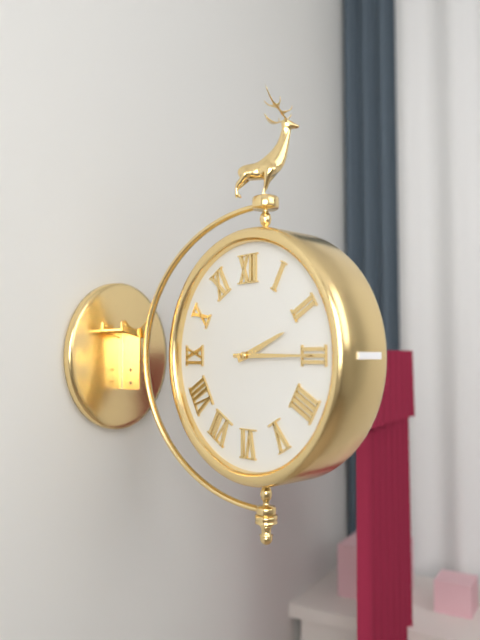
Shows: h=2 m=15
